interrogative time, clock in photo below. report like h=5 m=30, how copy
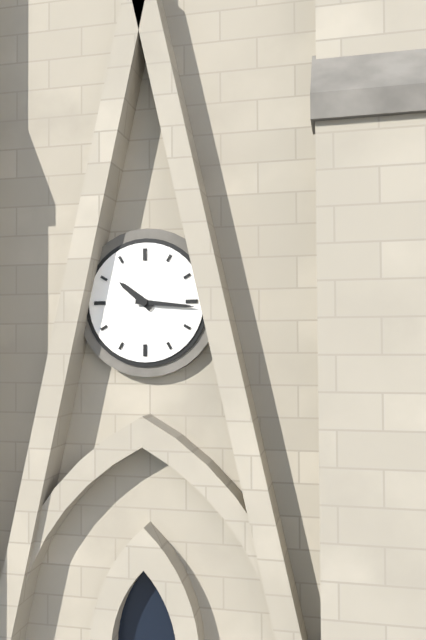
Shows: h=10 m=16
